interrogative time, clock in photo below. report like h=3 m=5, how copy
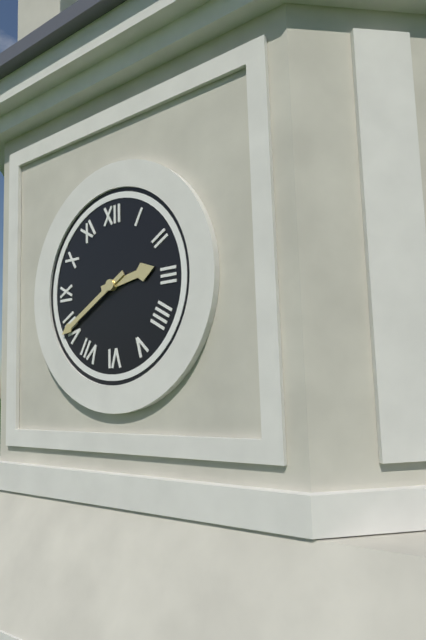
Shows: h=2 m=40
